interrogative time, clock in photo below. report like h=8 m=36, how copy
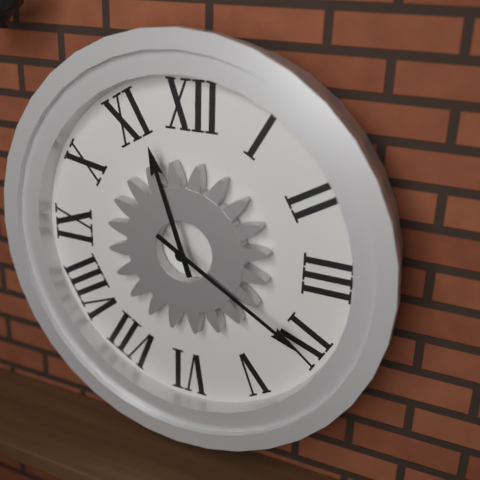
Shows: h=11 m=20
